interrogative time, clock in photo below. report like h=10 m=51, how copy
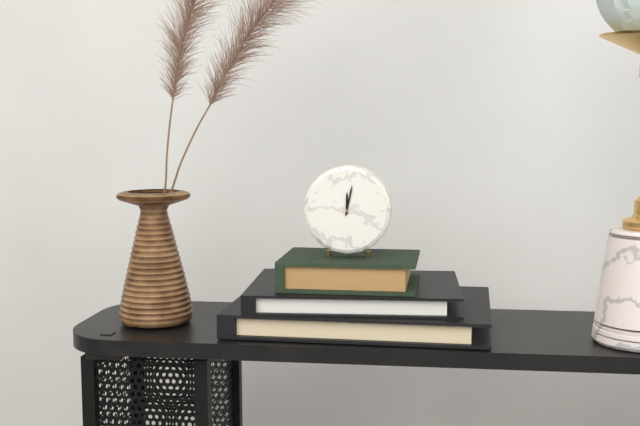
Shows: h=12 m=2
